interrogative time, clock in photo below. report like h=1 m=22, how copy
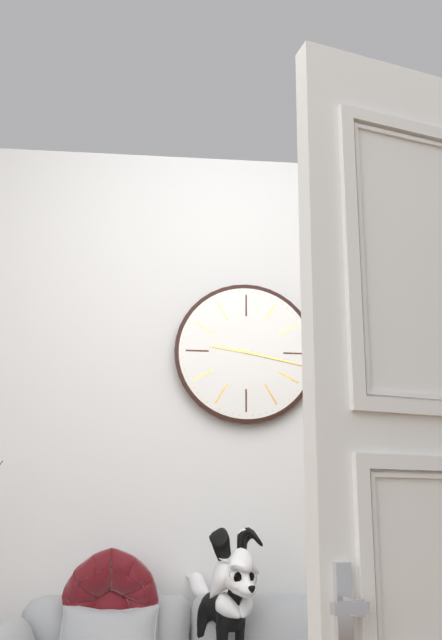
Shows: h=9 m=17
